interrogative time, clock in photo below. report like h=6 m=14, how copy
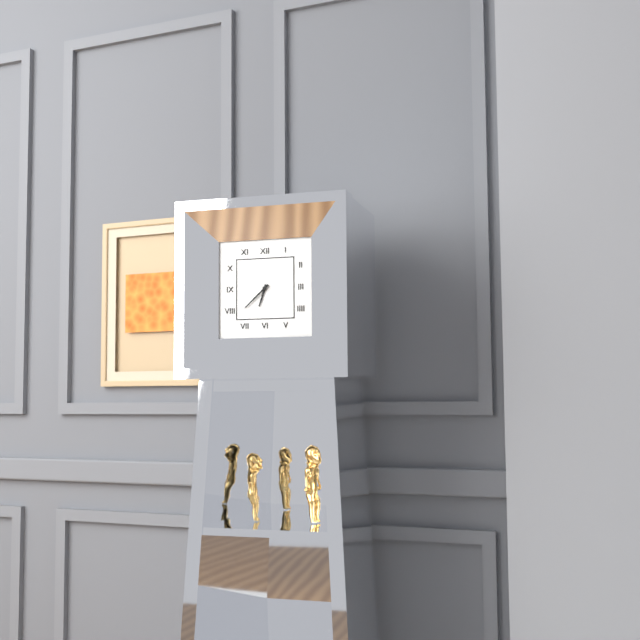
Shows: h=6 m=38
